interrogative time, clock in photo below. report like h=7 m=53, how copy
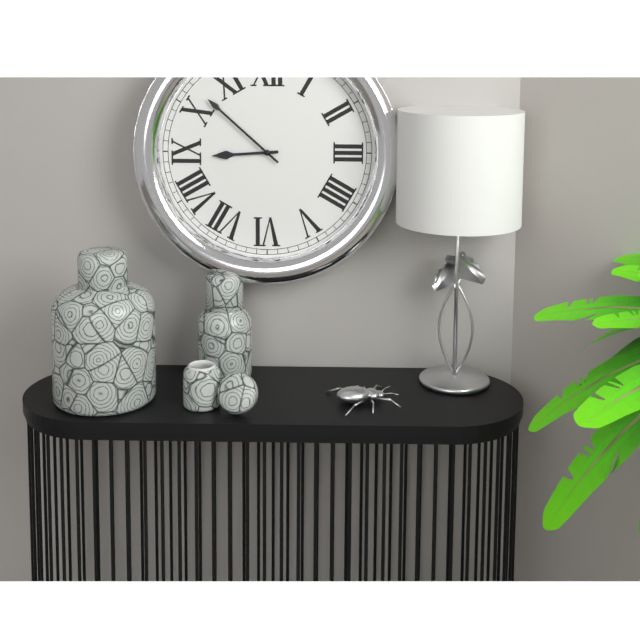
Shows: h=8 m=52
